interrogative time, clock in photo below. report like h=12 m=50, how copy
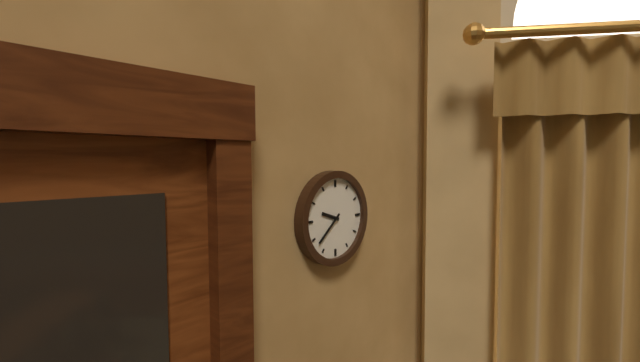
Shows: h=9 m=38
